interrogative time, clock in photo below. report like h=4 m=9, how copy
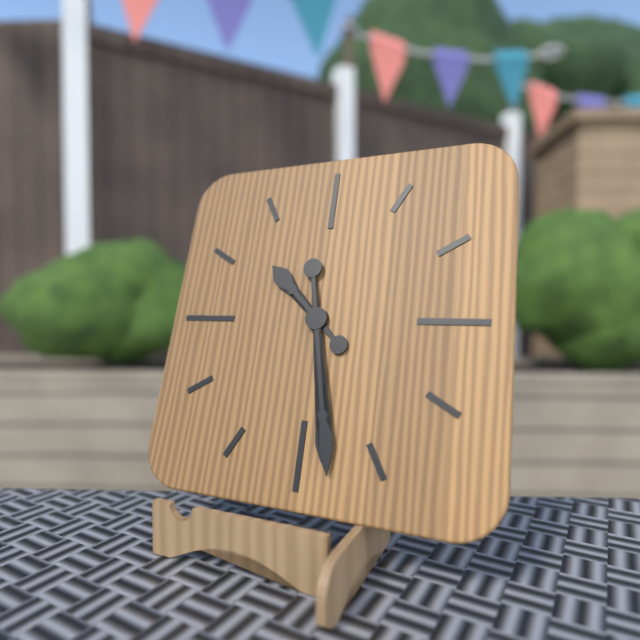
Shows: h=10 m=28
